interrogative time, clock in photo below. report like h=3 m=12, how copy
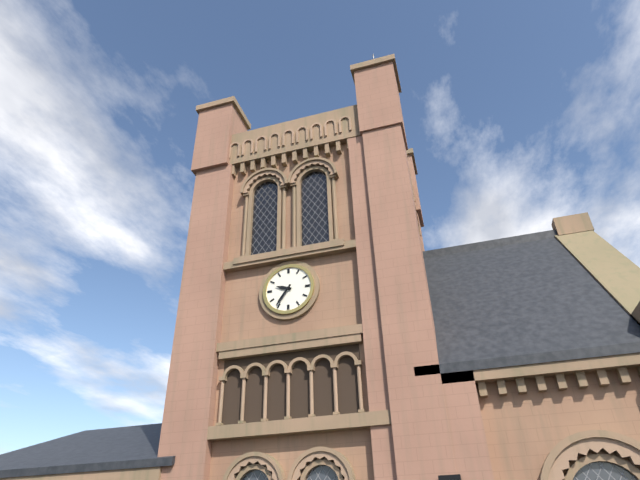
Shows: h=9 m=36
